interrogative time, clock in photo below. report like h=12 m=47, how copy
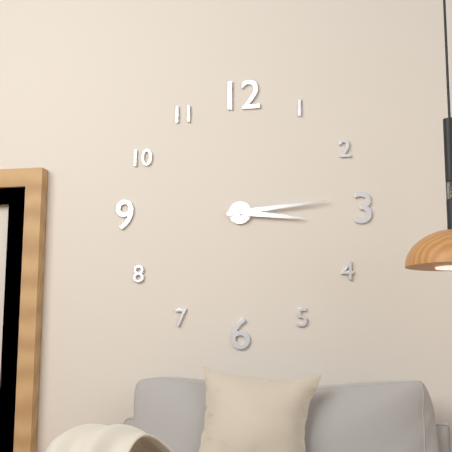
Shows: h=3 m=14
